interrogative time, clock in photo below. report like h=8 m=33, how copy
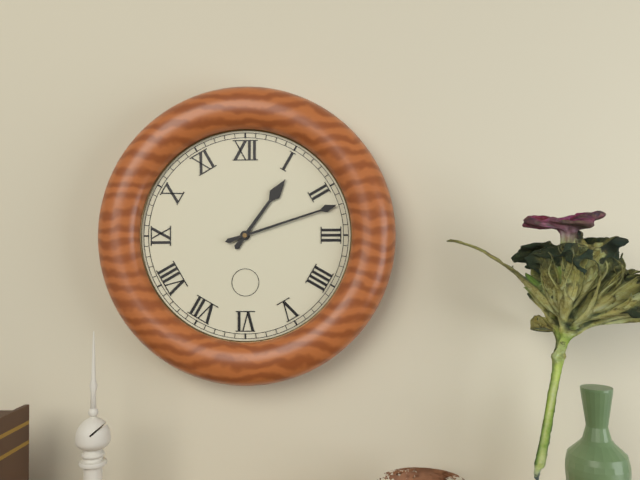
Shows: h=1 m=12
